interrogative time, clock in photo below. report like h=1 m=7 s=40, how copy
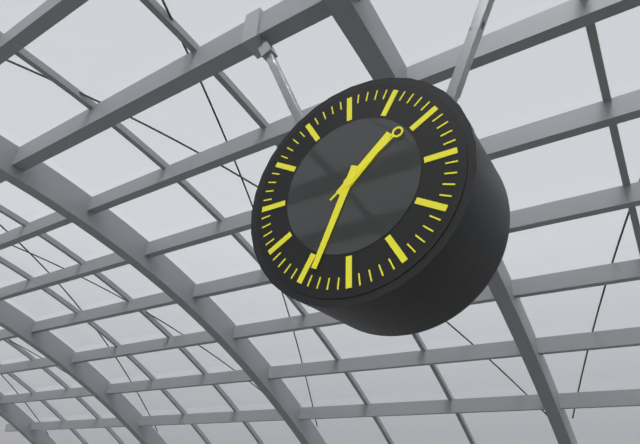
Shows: h=1 m=34 s=9
